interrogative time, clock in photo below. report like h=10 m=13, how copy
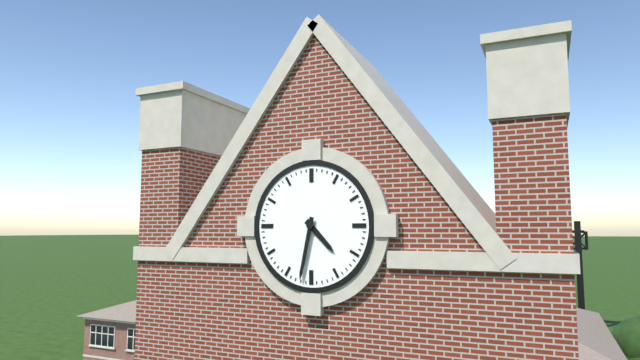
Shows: h=4 m=32
